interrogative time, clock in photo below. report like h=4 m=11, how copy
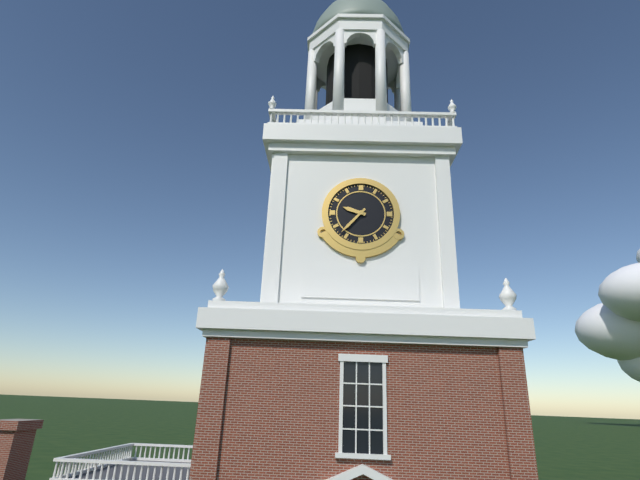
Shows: h=9 m=37
